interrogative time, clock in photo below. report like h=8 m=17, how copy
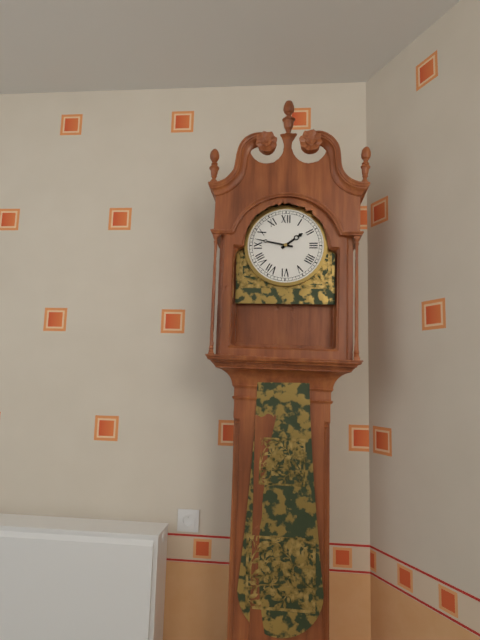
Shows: h=1 m=47
